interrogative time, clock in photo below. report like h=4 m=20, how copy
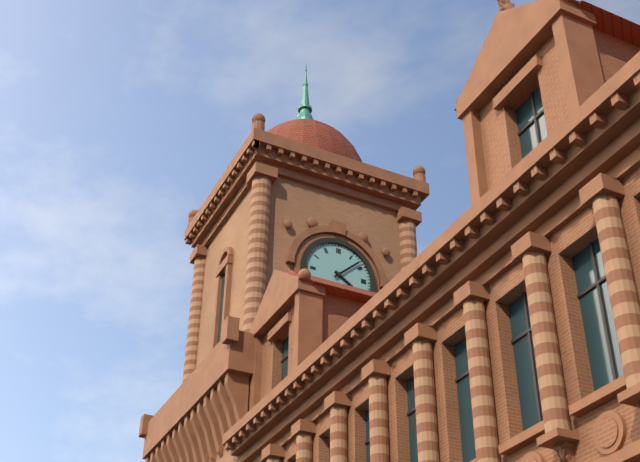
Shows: h=4 m=8
